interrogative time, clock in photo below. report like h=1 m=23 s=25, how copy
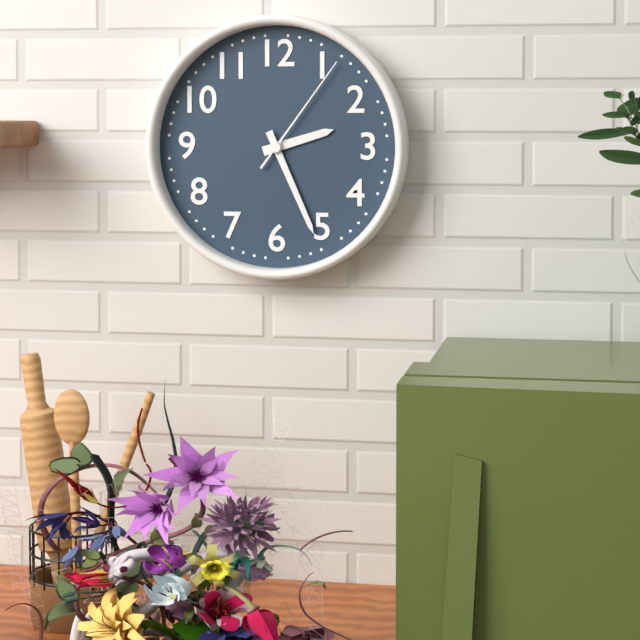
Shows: h=2 m=26 s=6
